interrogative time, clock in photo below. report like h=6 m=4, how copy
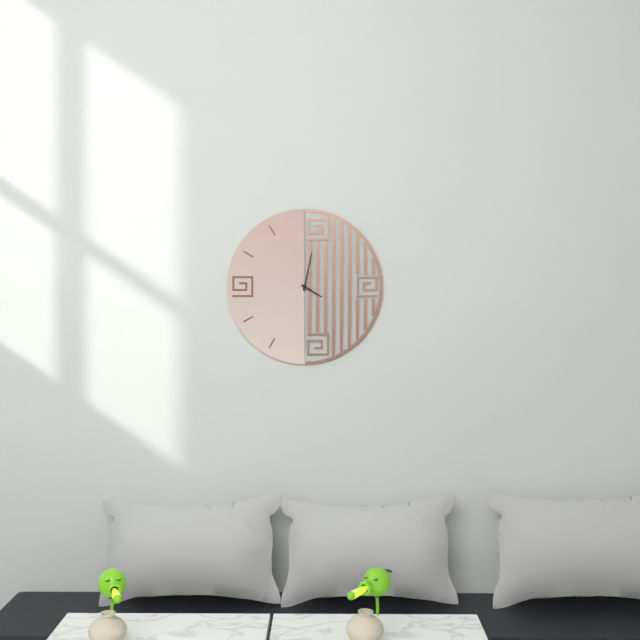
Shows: h=4 m=2
